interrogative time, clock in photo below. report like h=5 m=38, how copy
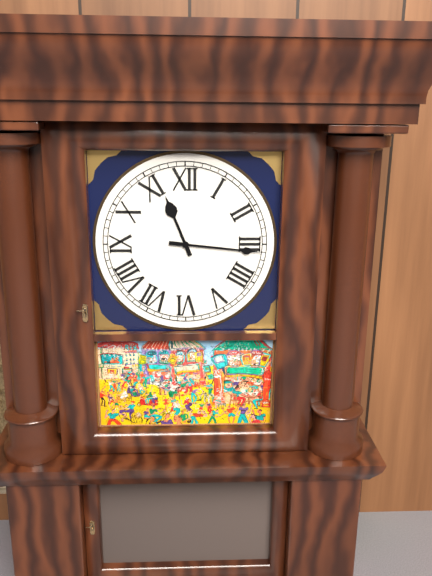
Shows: h=11 m=16
